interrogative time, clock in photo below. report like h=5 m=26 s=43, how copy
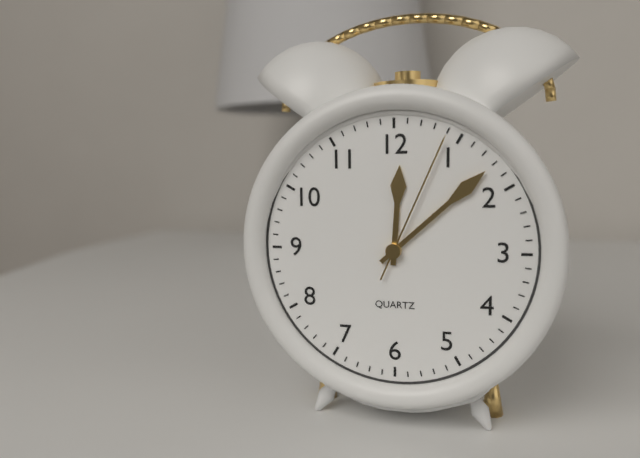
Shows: h=12 m=8 s=4
